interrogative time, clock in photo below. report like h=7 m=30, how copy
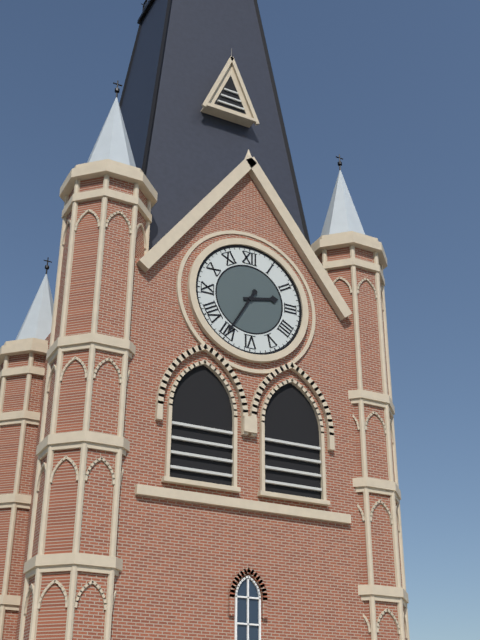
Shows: h=2 m=35
